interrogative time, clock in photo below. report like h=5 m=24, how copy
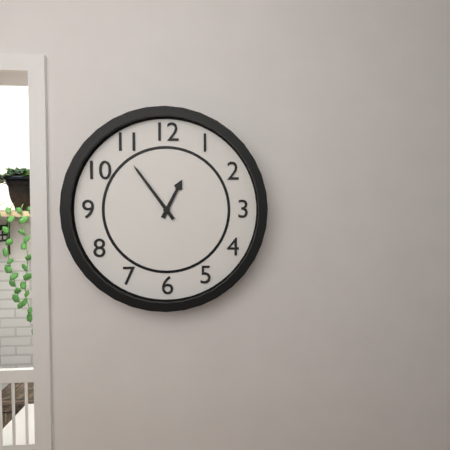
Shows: h=12 m=54
